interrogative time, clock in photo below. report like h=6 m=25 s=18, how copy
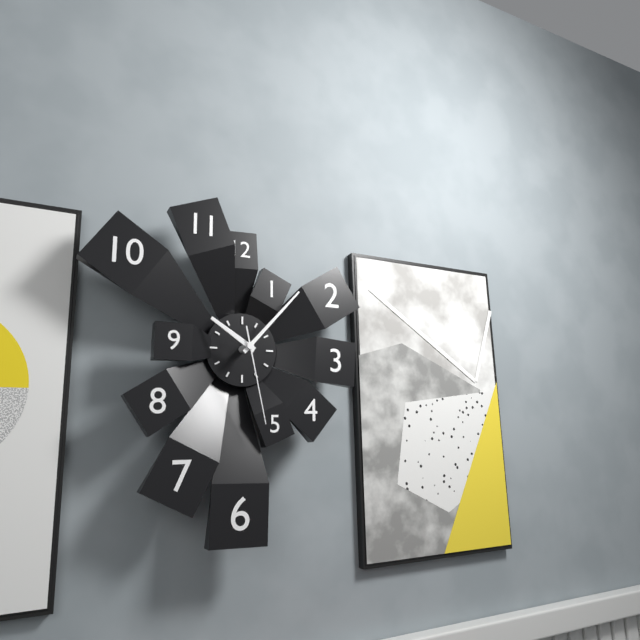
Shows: h=10 m=7 s=28
